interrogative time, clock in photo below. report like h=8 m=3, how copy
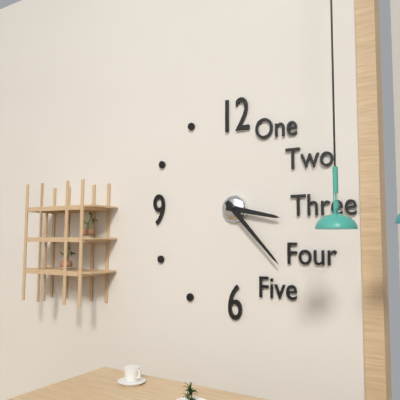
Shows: h=3 m=23
